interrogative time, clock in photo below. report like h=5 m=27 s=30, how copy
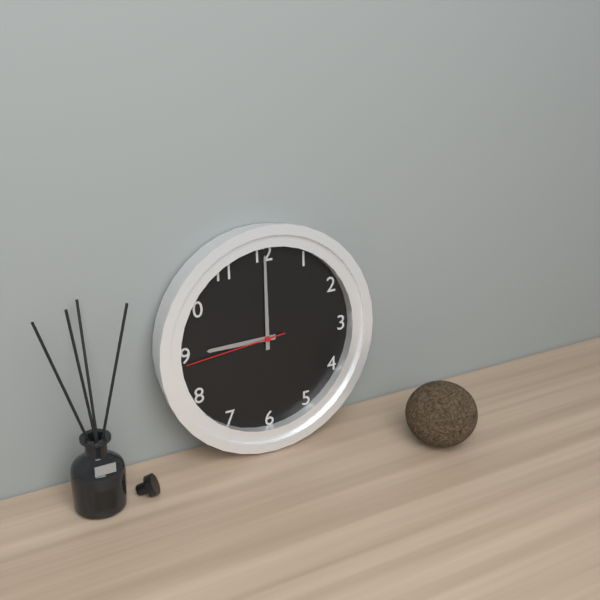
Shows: h=9 m=0 s=44
